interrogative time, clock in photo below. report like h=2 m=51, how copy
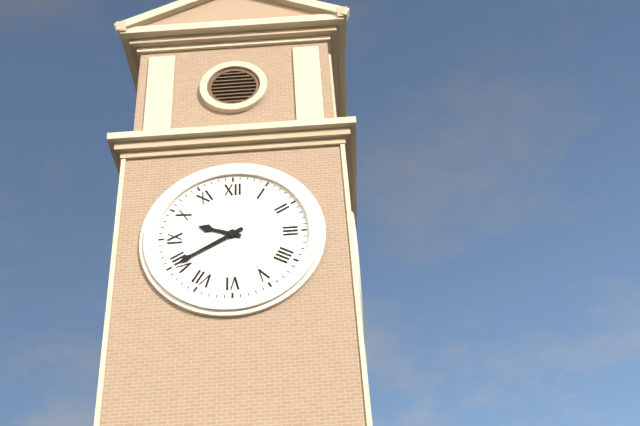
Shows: h=9 m=40
